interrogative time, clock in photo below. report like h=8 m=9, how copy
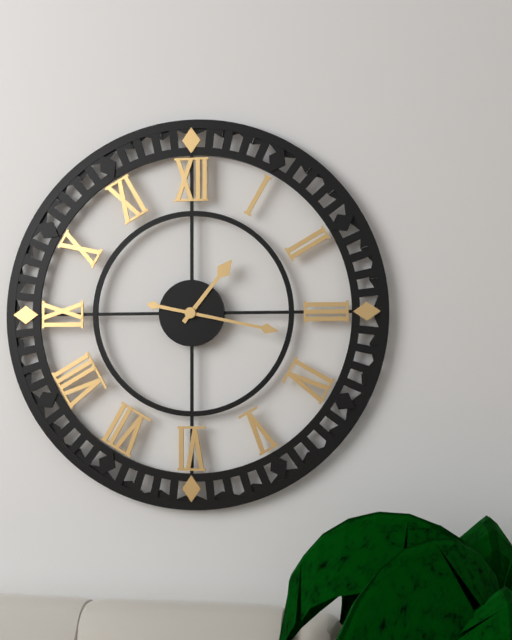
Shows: h=1 m=17
